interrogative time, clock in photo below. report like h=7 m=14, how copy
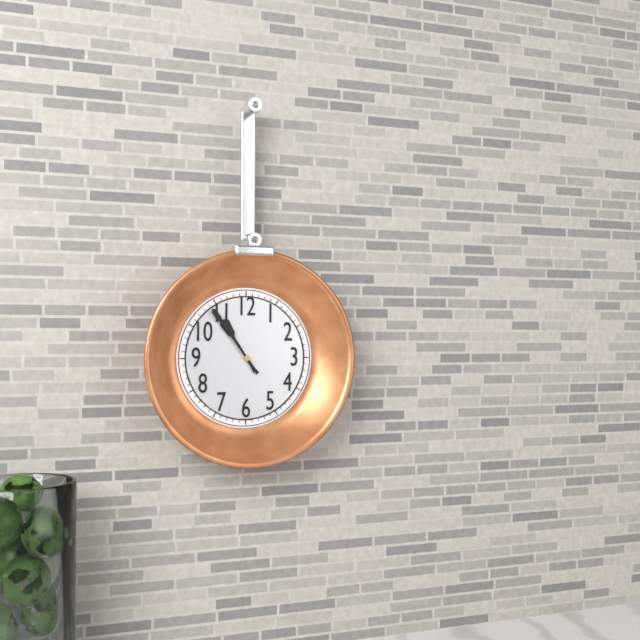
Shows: h=10 m=54
